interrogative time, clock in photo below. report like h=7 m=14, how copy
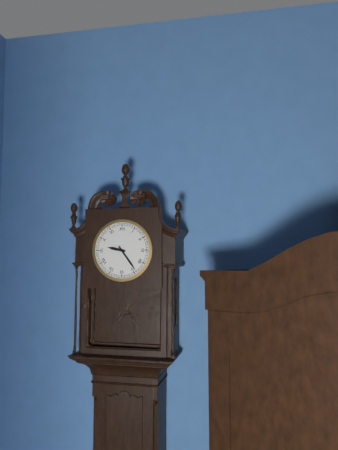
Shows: h=9 m=24
